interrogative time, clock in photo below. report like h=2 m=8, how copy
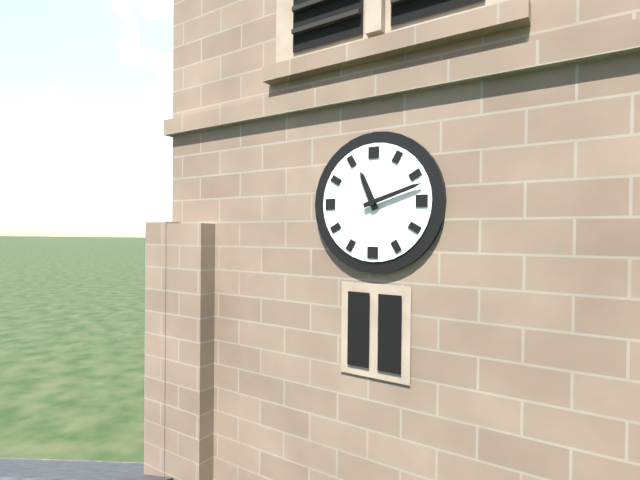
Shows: h=11 m=12
